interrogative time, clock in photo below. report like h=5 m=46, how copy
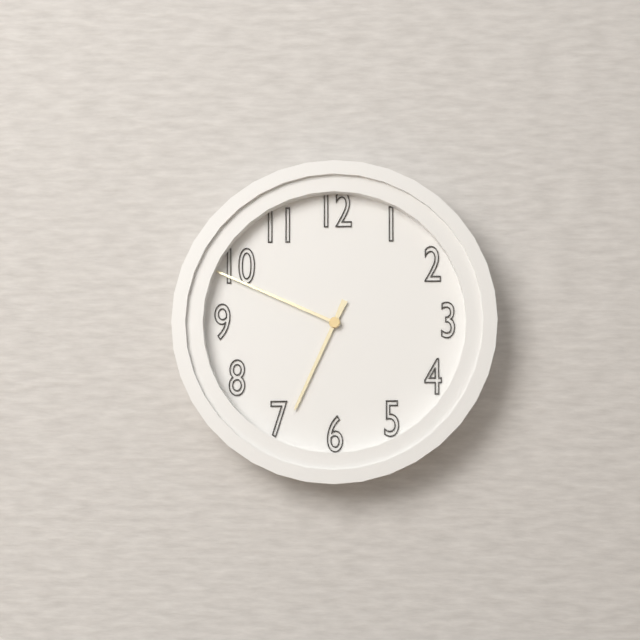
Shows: h=6 m=49
